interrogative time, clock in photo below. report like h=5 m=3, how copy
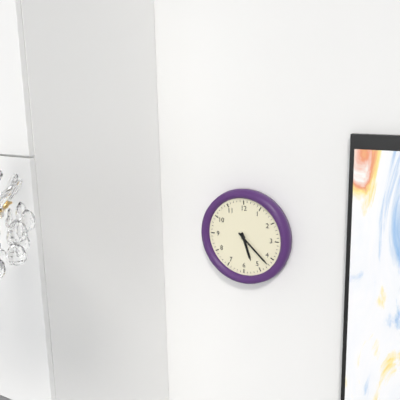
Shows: h=5 m=22
